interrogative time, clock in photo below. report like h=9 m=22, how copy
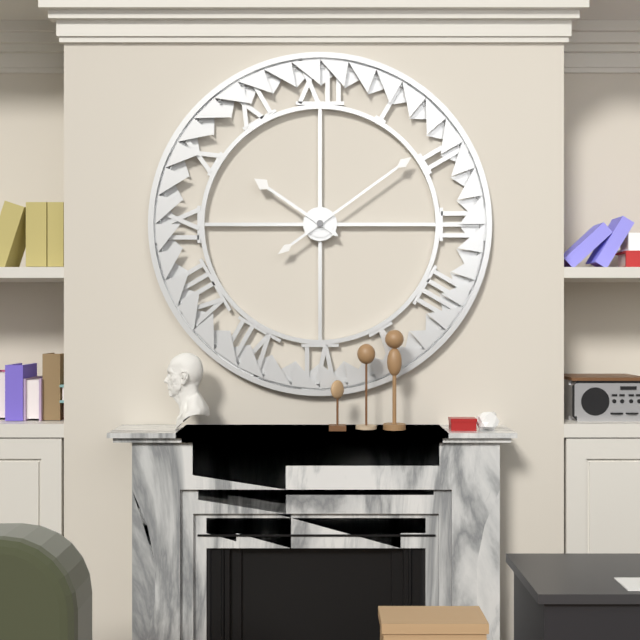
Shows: h=10 m=9
